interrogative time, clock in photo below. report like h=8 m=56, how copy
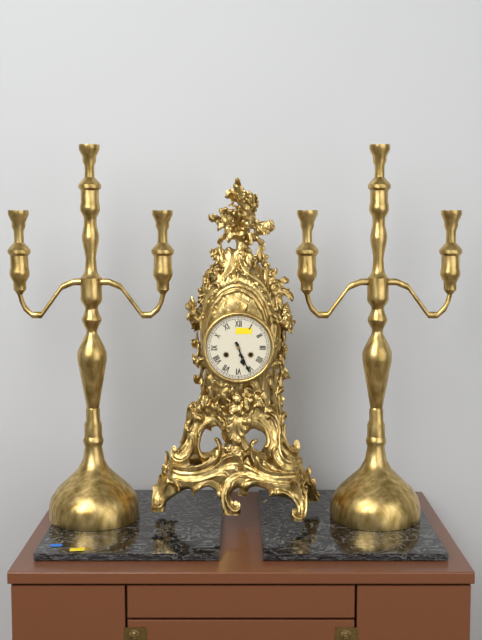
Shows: h=5 m=26
